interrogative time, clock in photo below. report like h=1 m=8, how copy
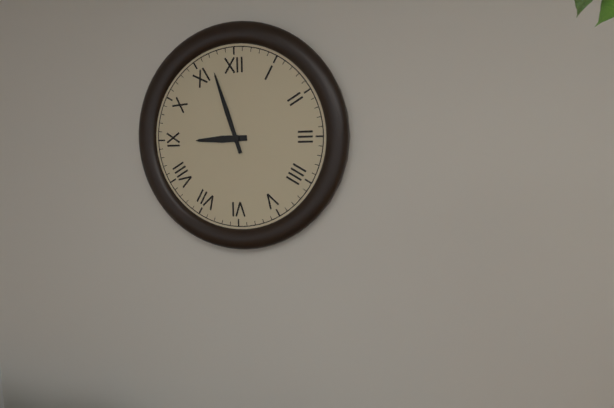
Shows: h=8 m=57
